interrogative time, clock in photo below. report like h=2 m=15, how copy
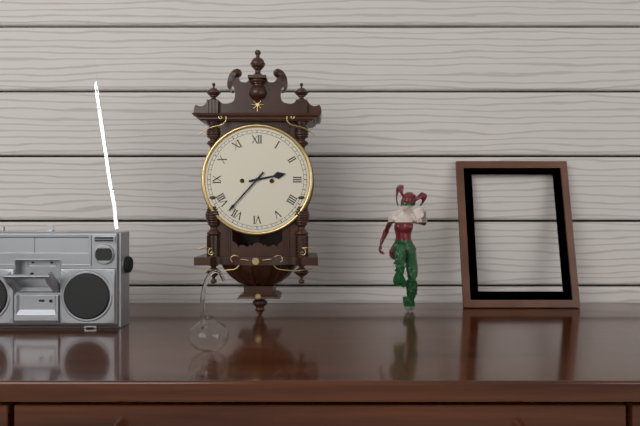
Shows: h=2 m=37
